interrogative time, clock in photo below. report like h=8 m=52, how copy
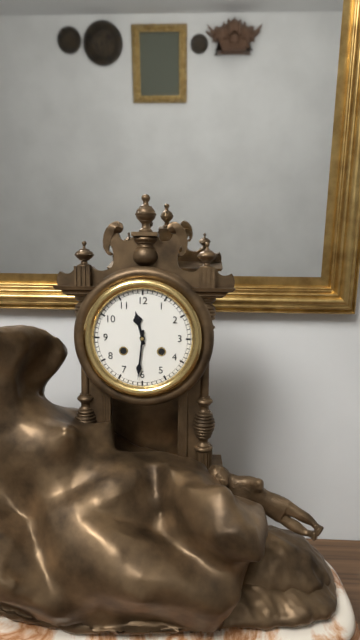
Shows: h=11 m=31
